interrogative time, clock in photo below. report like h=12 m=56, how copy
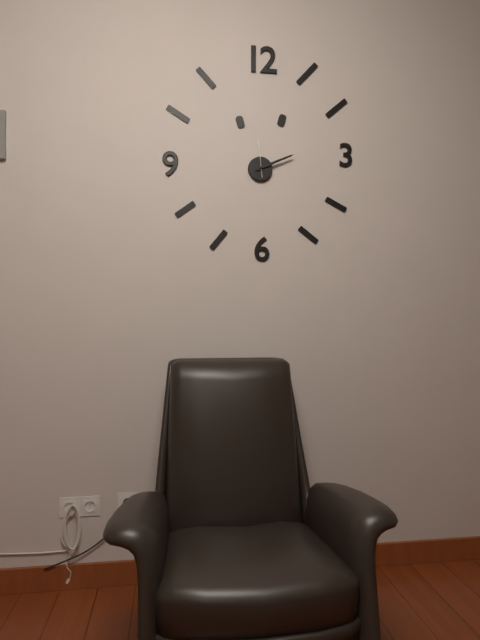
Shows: h=2 m=11
